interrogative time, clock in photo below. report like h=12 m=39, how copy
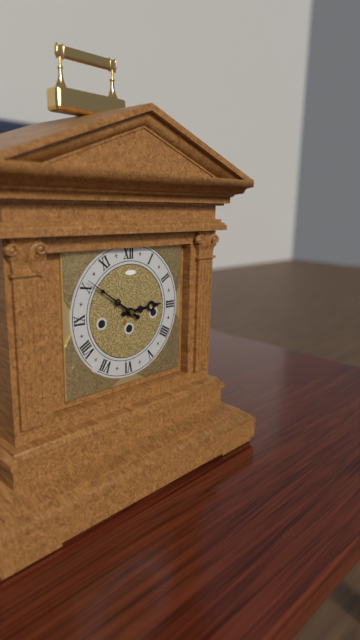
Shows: h=2 m=51
